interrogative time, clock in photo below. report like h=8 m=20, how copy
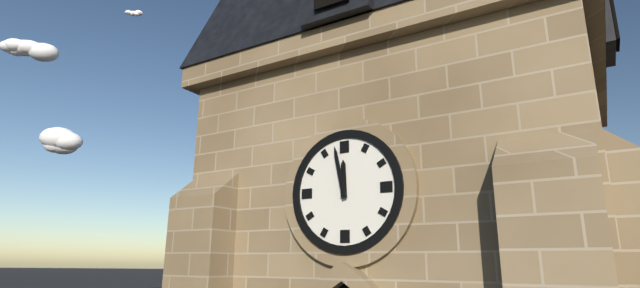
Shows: h=11 m=58
